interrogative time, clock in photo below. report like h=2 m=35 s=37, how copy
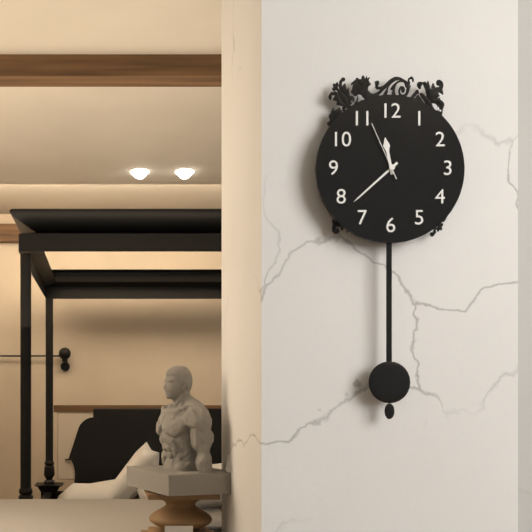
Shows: h=11 m=38 s=56
